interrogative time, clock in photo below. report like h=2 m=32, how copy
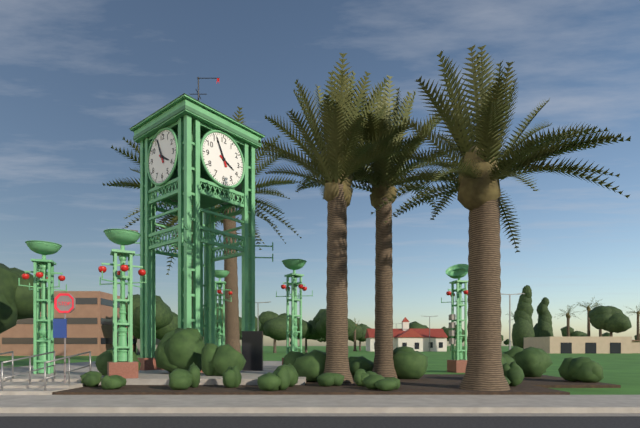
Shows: h=3 m=56
